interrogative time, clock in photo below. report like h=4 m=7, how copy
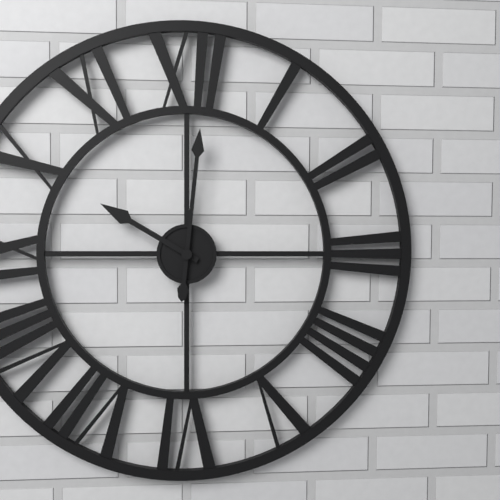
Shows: h=10 m=1
